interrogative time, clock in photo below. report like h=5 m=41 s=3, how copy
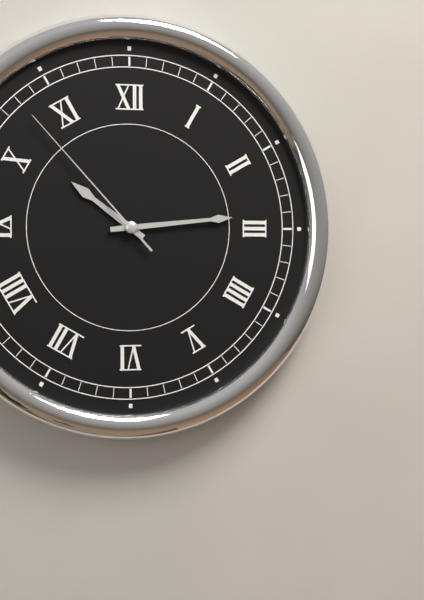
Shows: h=10 m=14 s=53
